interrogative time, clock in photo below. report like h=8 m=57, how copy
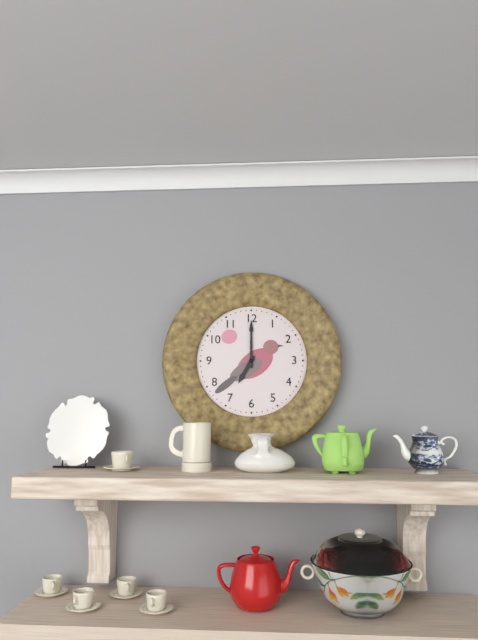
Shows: h=7 m=0
